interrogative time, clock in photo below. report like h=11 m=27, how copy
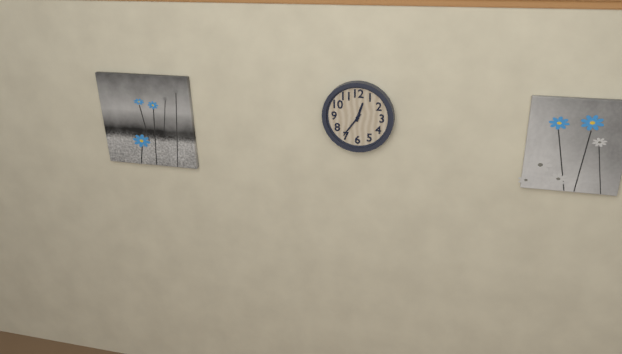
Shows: h=12 m=36
